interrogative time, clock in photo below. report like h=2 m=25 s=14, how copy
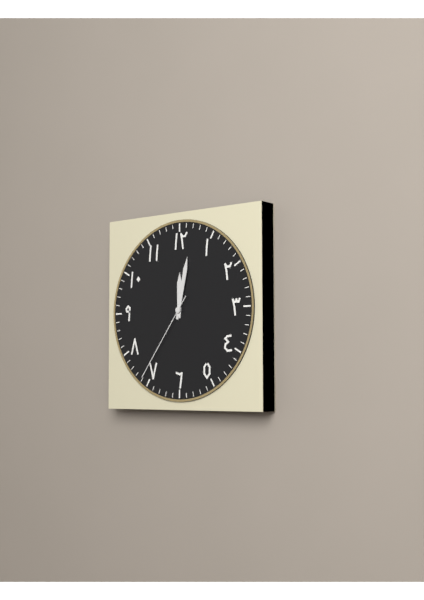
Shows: h=12 m=2 s=36
